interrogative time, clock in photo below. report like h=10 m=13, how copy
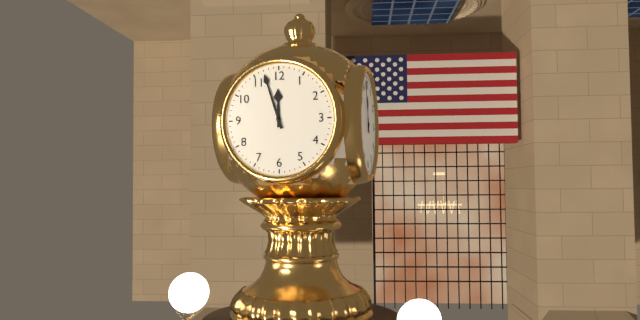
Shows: h=11 m=57
